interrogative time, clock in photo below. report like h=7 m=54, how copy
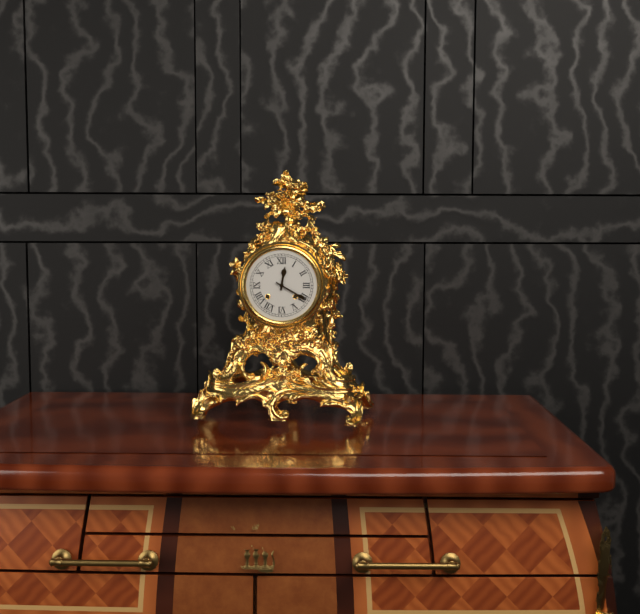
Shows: h=12 m=20
